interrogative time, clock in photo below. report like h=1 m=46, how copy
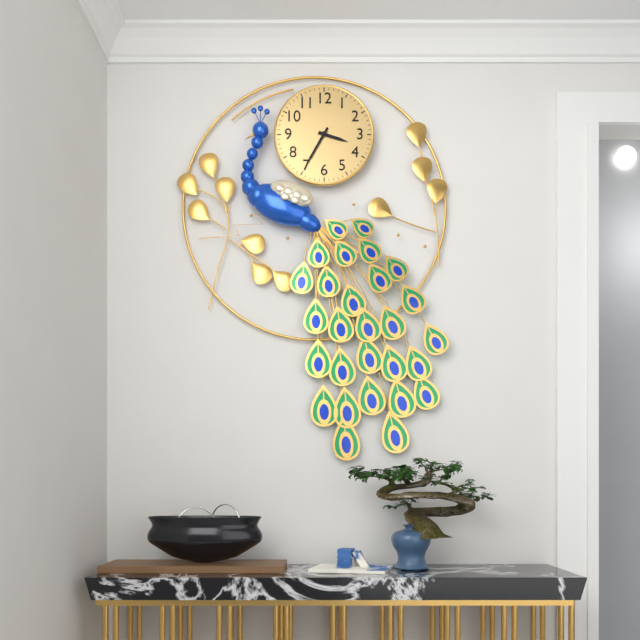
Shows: h=3 m=35
